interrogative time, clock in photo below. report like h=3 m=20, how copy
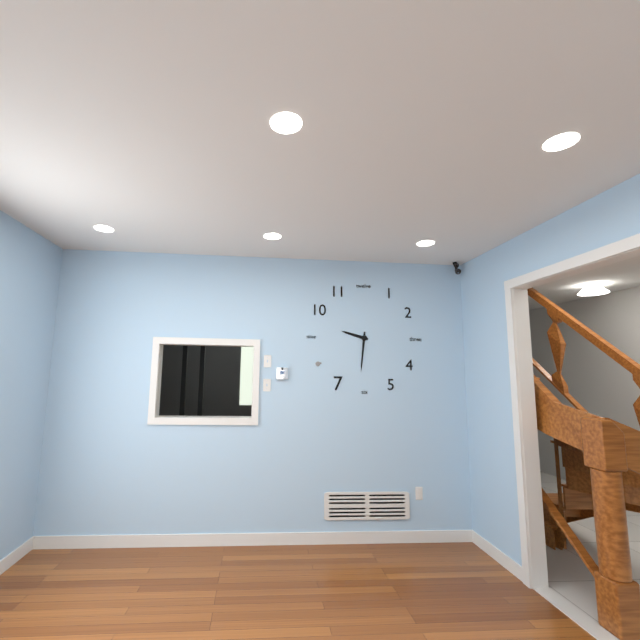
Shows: h=9 m=31
